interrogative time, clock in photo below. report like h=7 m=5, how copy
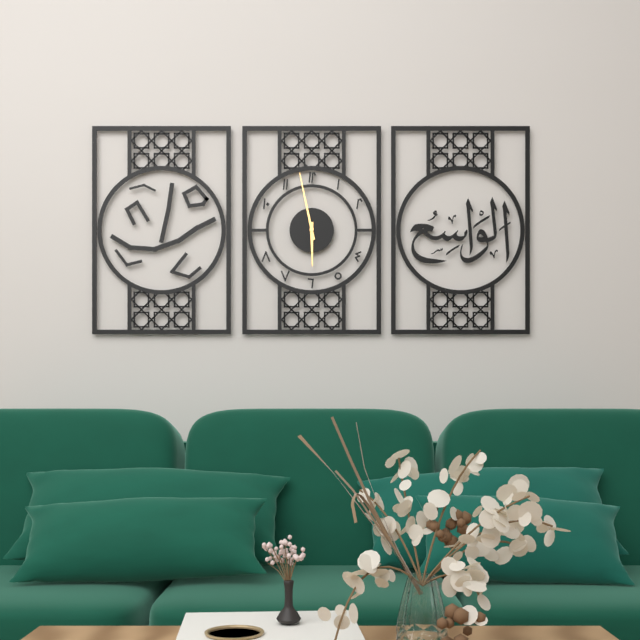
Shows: h=5 m=58
